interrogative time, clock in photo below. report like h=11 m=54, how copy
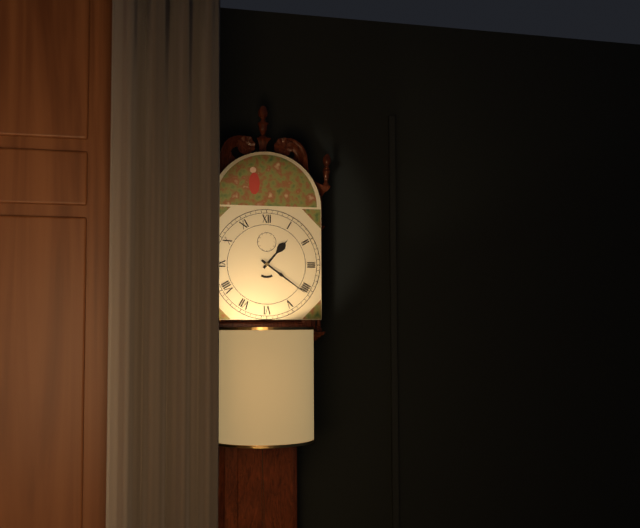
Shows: h=1 m=21
